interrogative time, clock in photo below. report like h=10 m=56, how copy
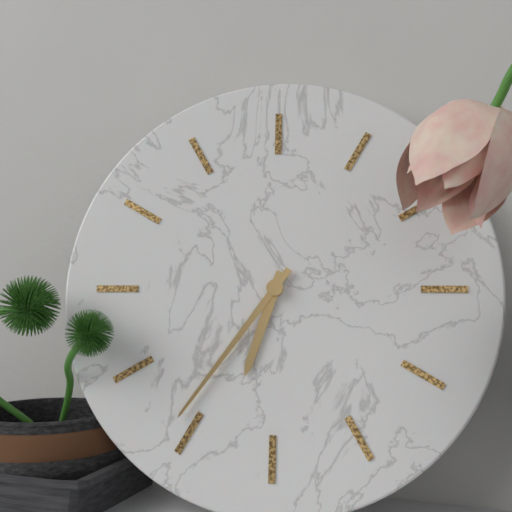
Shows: h=6 m=36
